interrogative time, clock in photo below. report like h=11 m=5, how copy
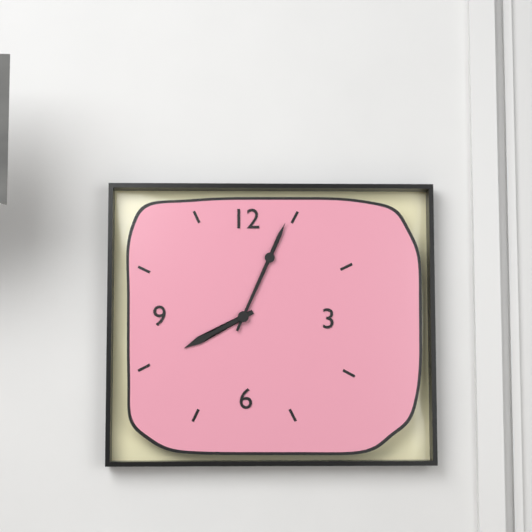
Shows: h=8 m=4
